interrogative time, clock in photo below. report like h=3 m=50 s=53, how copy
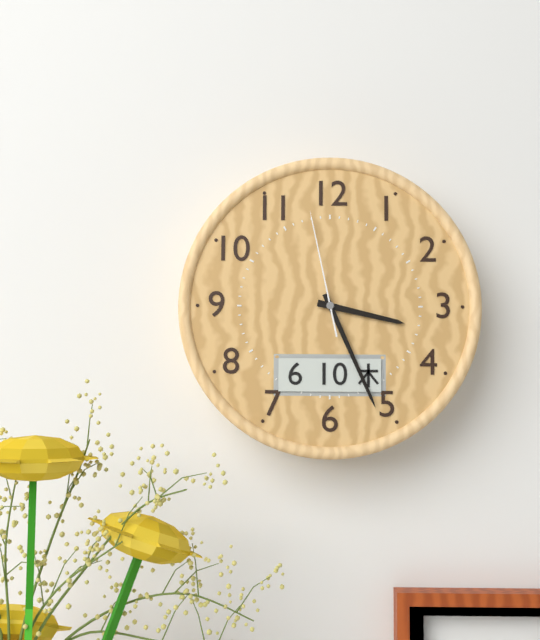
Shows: h=3 m=26 s=58
